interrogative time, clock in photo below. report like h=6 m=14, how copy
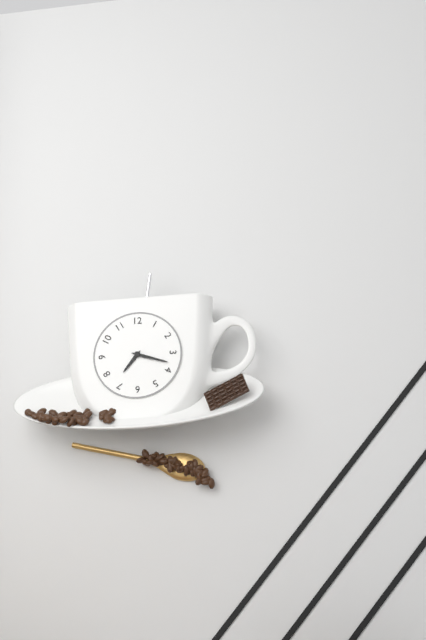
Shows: h=7 m=18
